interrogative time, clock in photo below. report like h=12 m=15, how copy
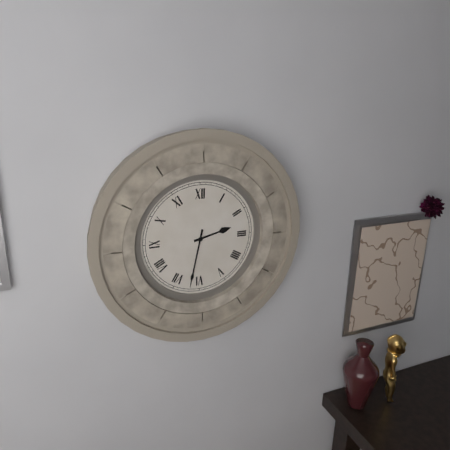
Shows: h=2 m=32
